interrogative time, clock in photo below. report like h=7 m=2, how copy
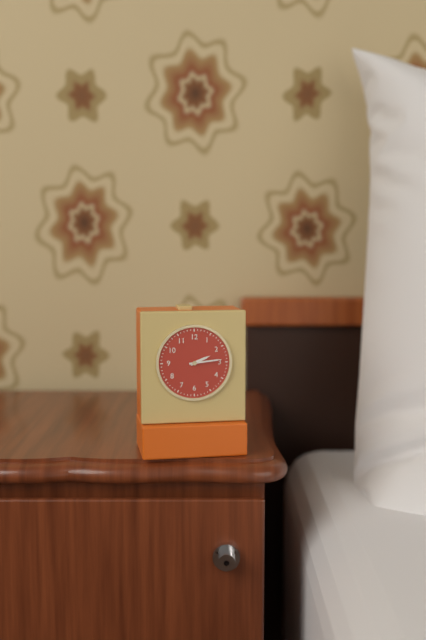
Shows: h=2 m=14
